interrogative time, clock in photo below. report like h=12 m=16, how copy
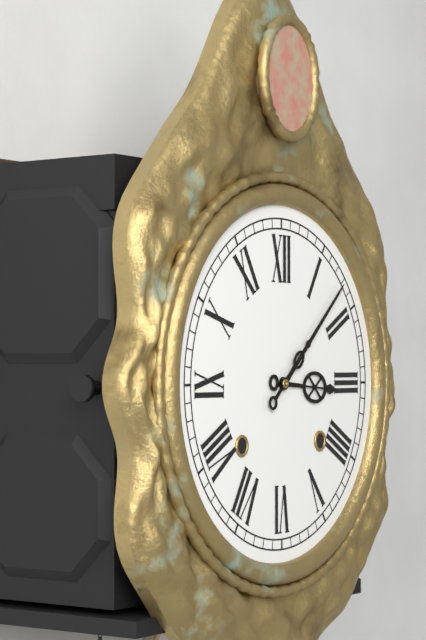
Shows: h=3 m=8
